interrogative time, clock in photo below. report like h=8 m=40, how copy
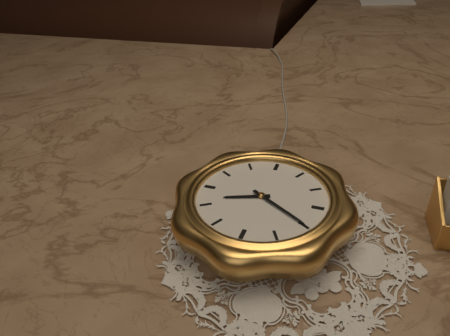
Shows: h=8 m=20
